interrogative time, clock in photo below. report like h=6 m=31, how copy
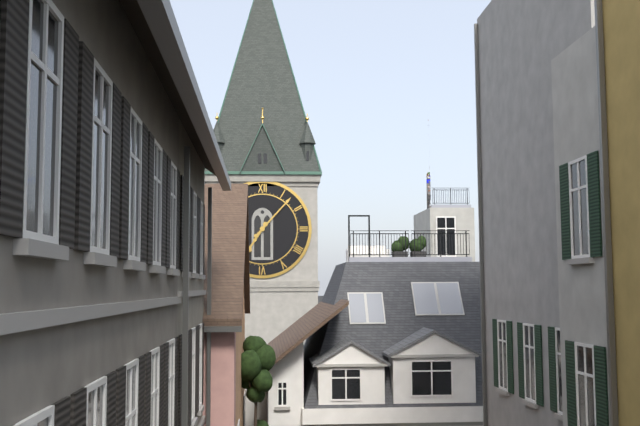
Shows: h=7 m=7
